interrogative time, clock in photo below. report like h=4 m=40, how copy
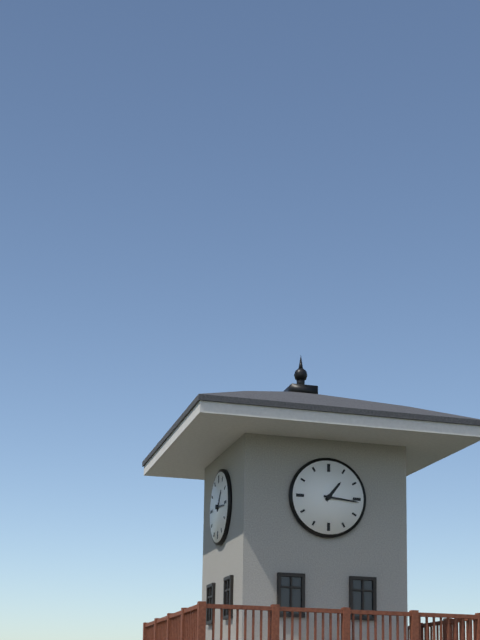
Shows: h=1 m=16
